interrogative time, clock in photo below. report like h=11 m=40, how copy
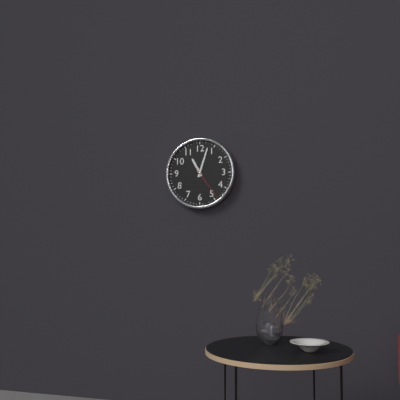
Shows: h=11 m=3
